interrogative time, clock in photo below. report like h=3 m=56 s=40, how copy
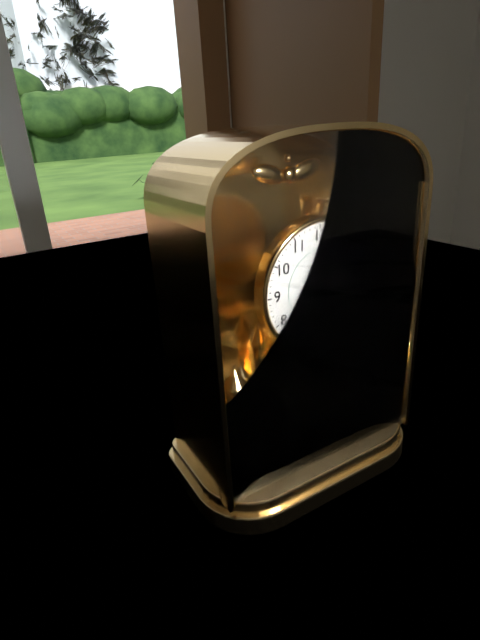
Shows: h=7 m=15 s=5
